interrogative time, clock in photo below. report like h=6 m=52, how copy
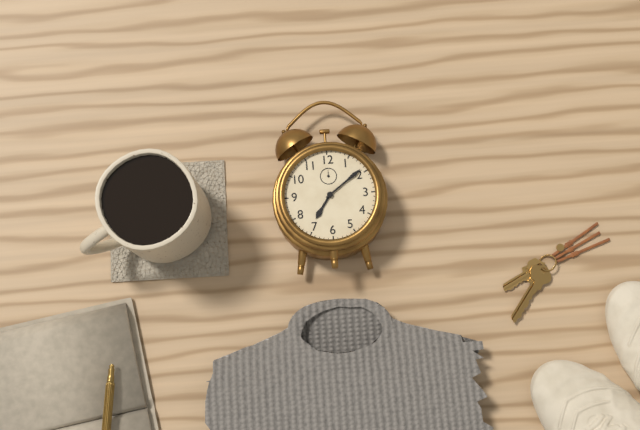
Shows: h=7 m=9
